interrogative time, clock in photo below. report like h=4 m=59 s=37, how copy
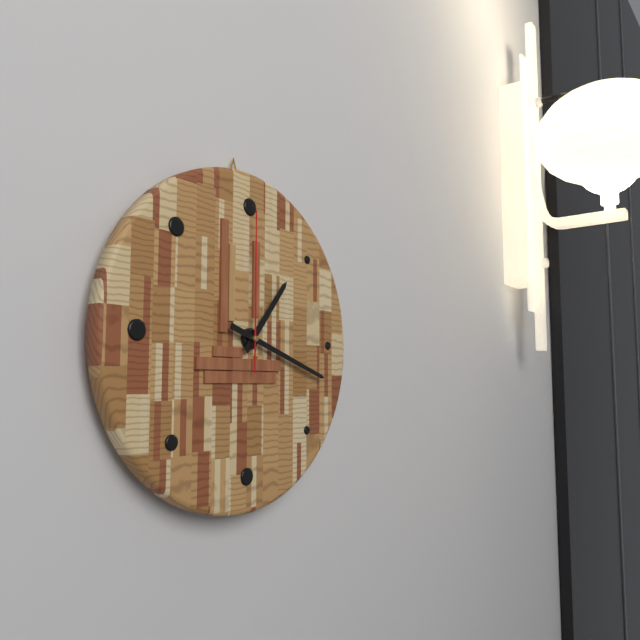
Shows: h=1 m=18 s=0
